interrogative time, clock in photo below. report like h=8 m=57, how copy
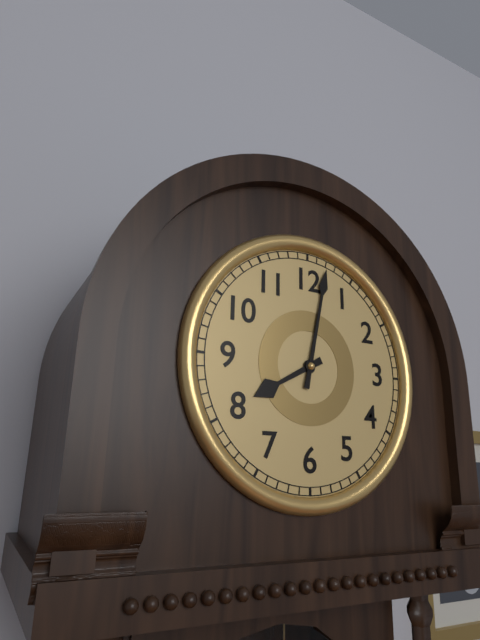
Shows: h=8 m=2
